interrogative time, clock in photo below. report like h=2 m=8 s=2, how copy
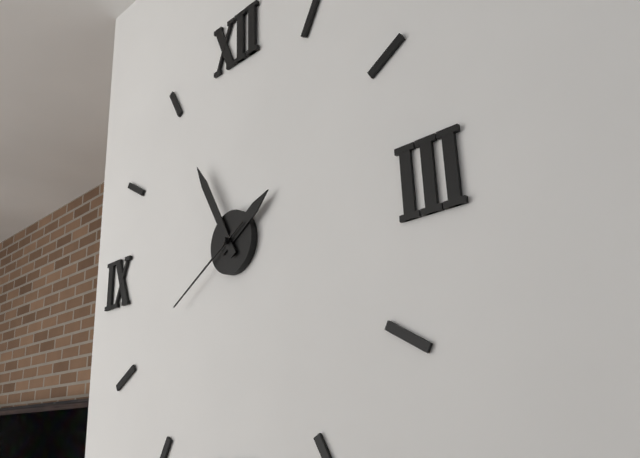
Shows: h=1 m=55 s=40
